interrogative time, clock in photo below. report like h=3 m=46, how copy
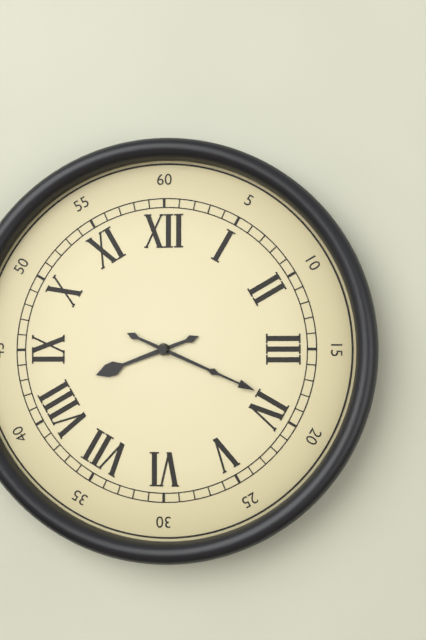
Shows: h=8 m=19
